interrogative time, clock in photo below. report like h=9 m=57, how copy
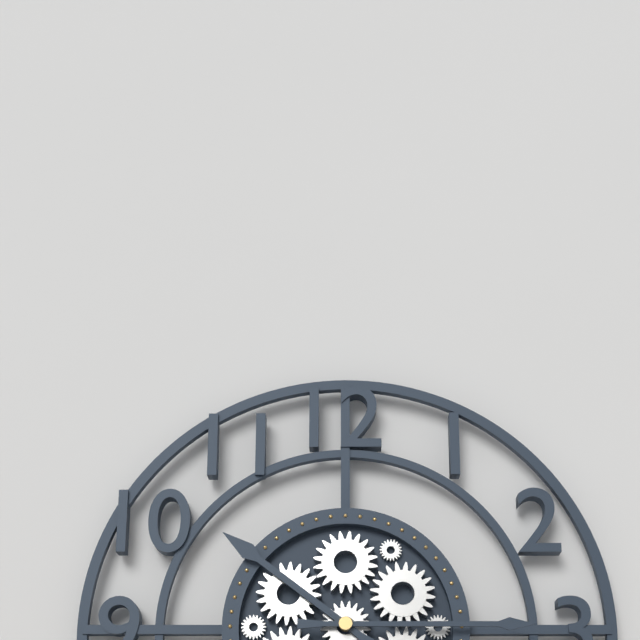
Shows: h=10 m=15
